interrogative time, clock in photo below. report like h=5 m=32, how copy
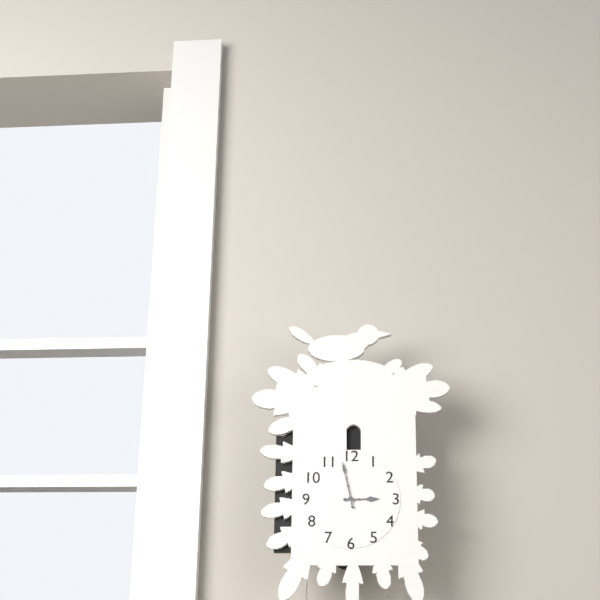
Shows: h=2 m=58
